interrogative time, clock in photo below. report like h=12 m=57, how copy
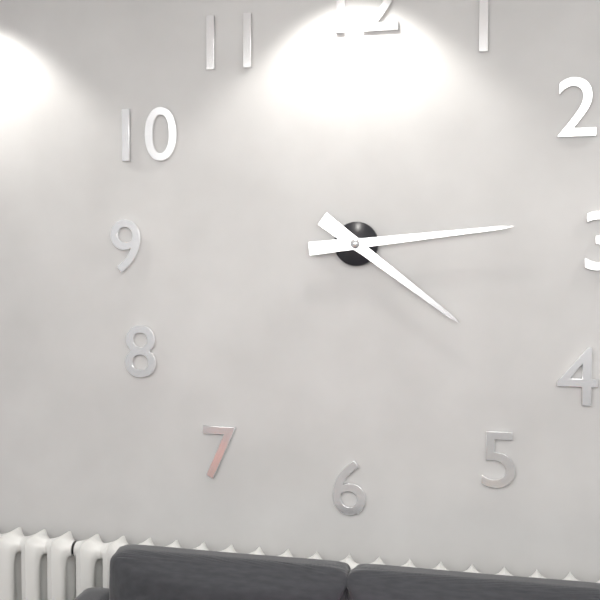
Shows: h=4 m=14
